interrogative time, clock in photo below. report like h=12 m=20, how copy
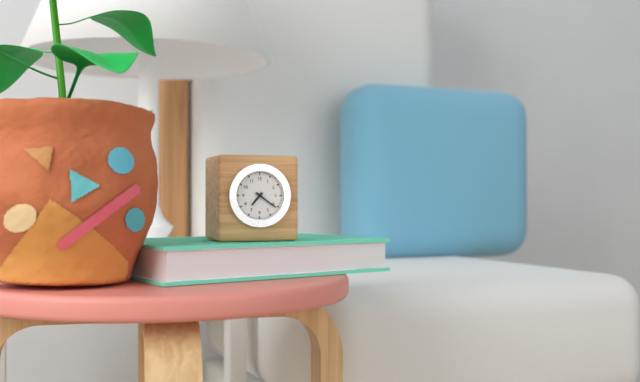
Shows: h=7 m=21
